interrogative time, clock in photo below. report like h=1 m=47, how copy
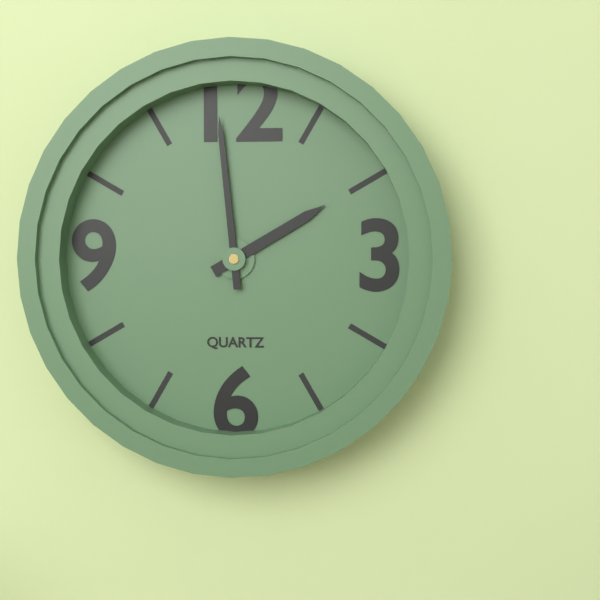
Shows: h=1 m=59
